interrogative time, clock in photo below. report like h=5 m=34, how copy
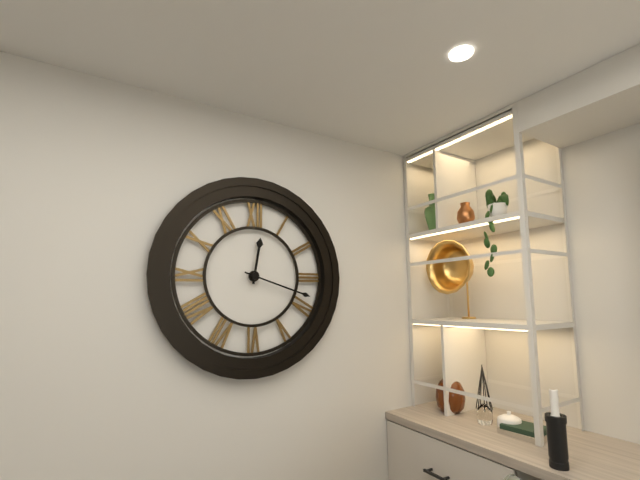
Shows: h=12 m=18
